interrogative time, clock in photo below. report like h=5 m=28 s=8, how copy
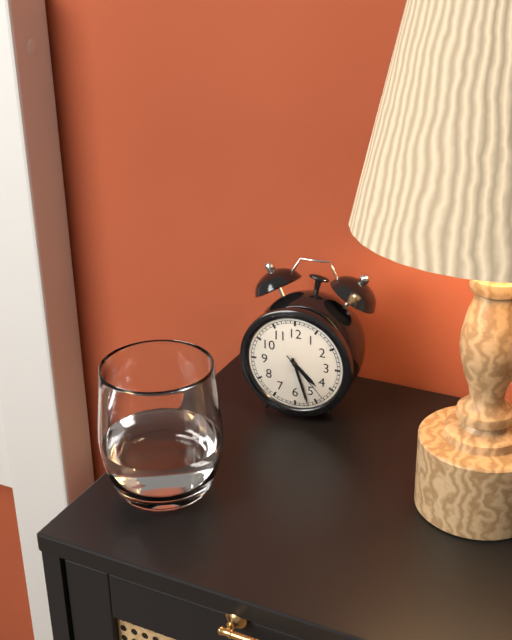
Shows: h=4 m=27 s=23
